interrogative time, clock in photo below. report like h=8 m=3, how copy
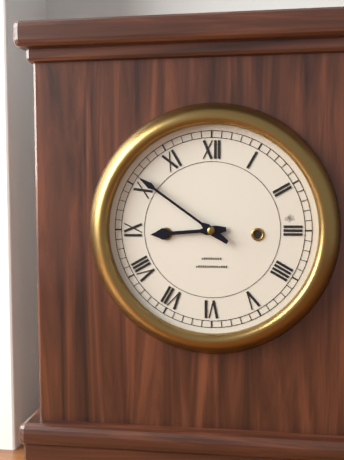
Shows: h=8 m=51
